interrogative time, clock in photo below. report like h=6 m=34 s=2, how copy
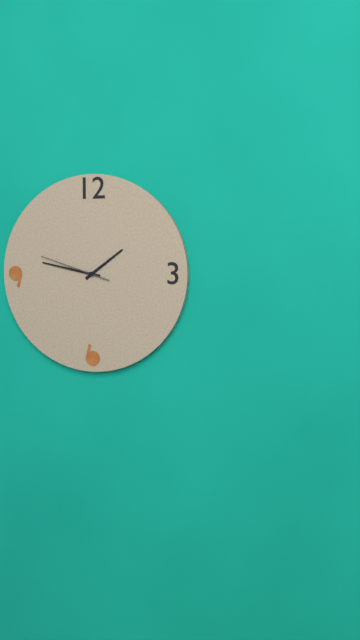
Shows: h=1 m=47 s=48
